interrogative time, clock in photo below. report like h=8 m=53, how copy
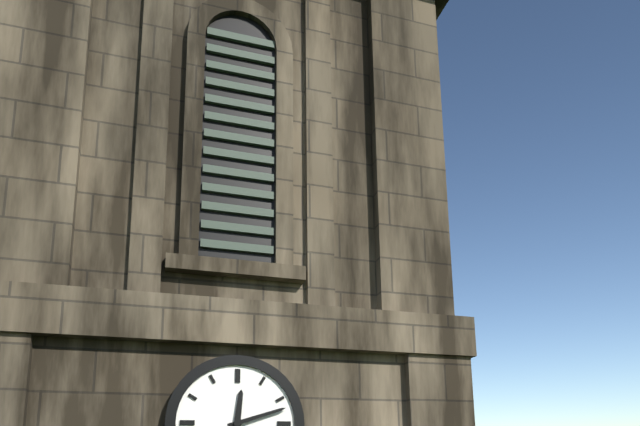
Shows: h=12 m=12
